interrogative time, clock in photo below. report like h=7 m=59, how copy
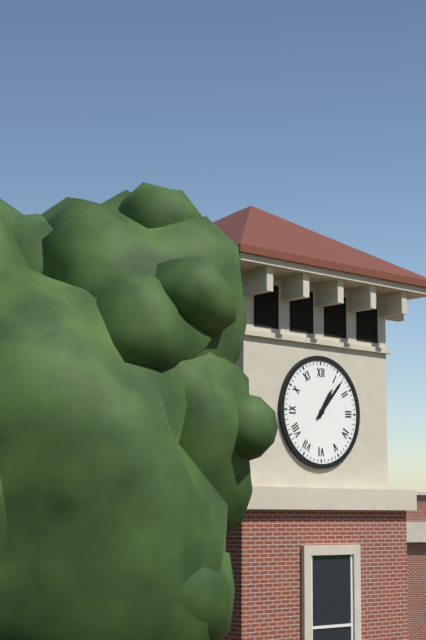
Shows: h=1 m=7
